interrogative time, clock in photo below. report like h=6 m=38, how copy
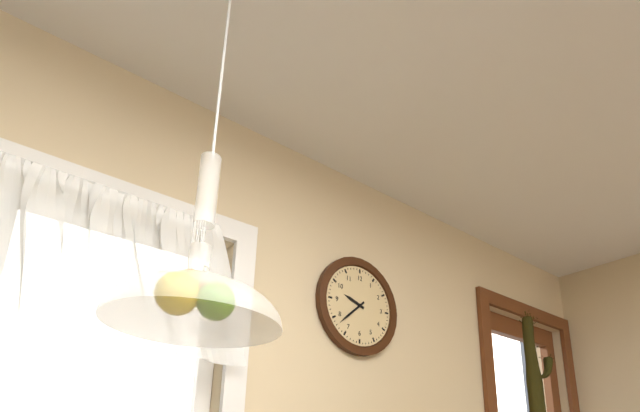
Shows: h=9 m=38
